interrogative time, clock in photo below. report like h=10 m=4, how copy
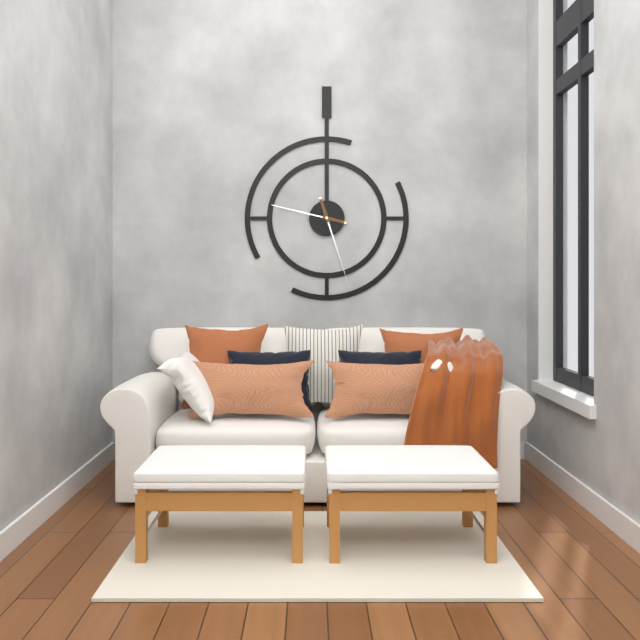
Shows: h=9 m=27
